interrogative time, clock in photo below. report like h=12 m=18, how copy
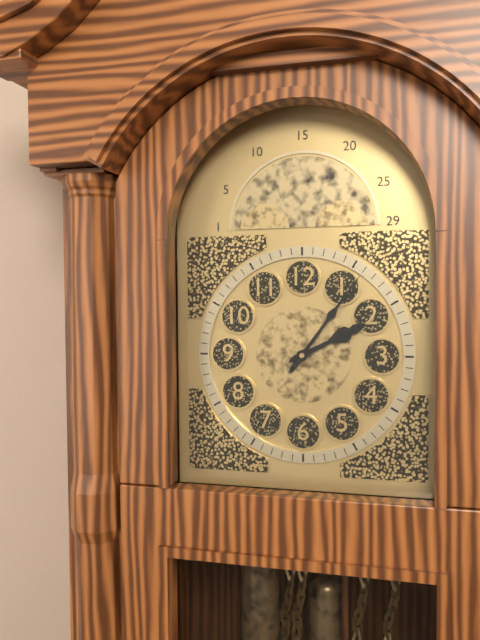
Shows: h=2 m=6
